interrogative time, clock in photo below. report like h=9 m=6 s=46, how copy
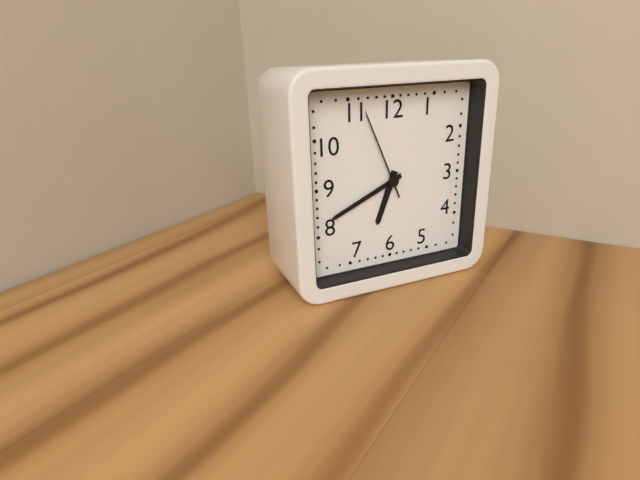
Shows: h=6 m=41 s=56
